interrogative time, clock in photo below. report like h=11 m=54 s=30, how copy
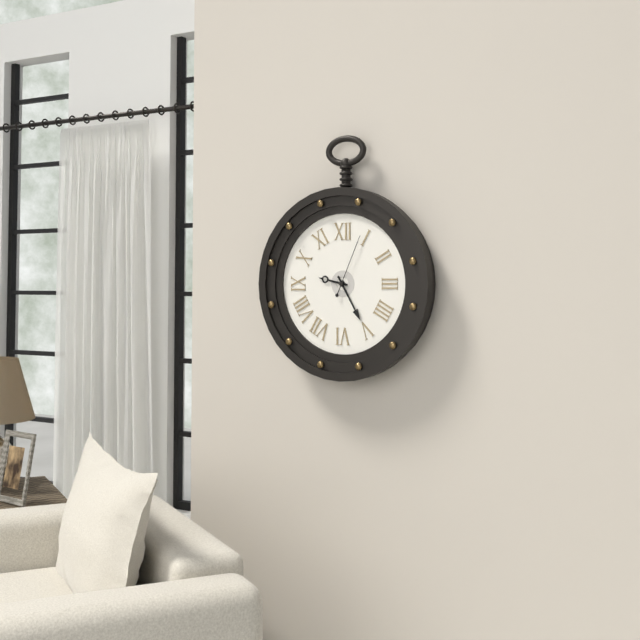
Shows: h=9 m=25 s=4
